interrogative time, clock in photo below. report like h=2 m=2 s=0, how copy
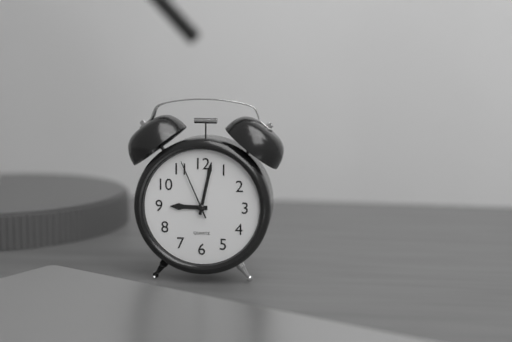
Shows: h=9 m=2 s=56
